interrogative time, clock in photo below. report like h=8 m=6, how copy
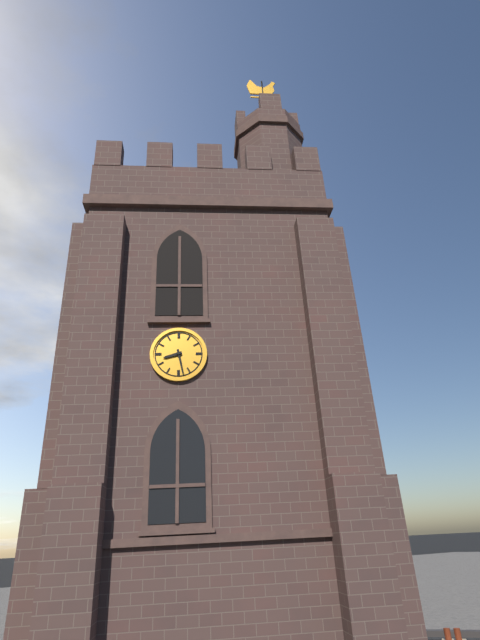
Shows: h=8 m=28
